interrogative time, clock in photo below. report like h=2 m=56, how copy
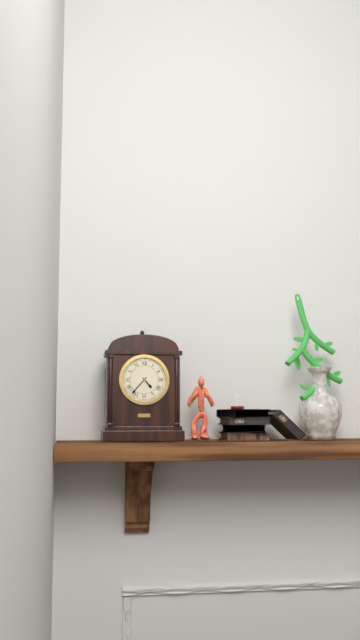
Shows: h=4 m=37
